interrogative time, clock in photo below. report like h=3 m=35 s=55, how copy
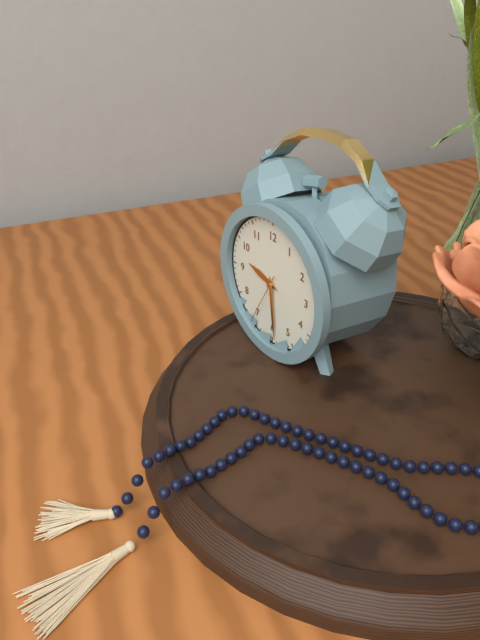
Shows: h=9 m=29 s=35
